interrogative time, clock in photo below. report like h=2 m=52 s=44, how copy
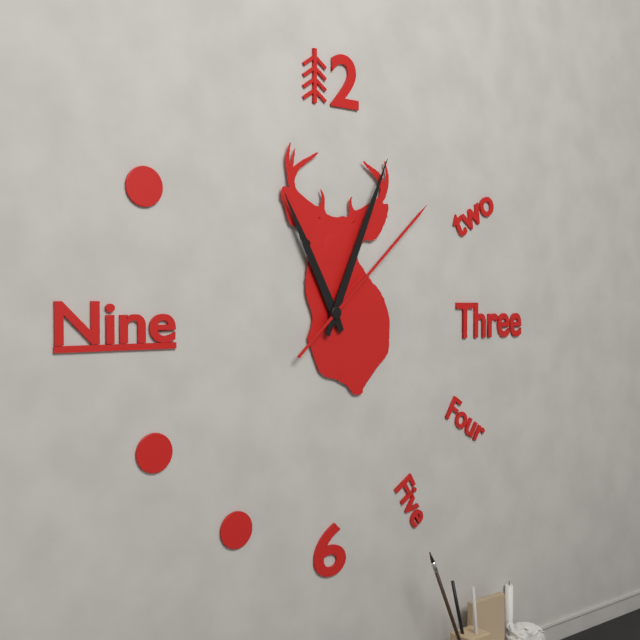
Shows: h=11 m=4 s=8
